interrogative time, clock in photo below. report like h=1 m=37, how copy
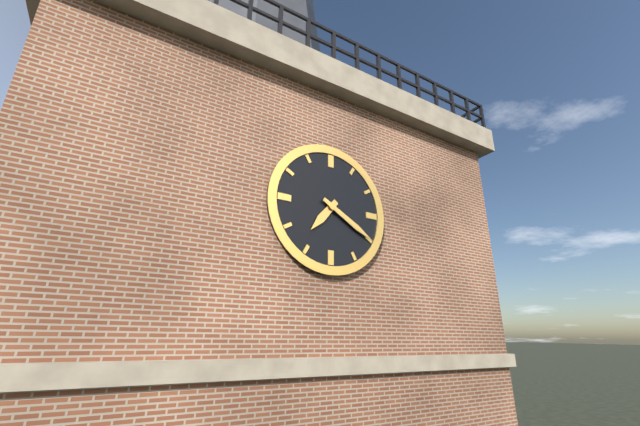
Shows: h=7 m=20
